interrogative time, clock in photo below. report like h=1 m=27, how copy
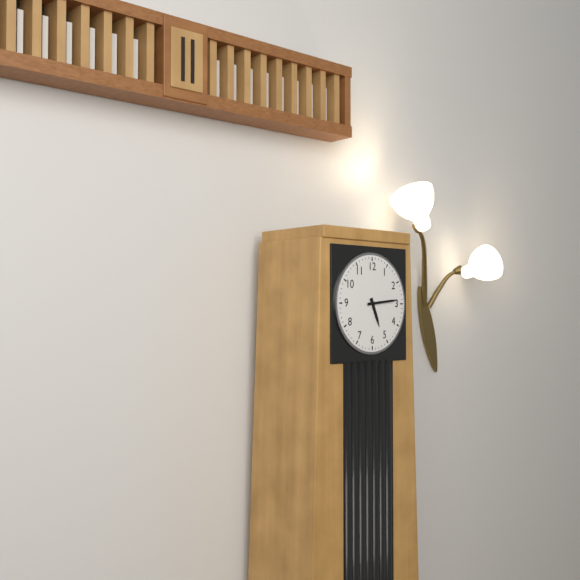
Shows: h=5 m=14
